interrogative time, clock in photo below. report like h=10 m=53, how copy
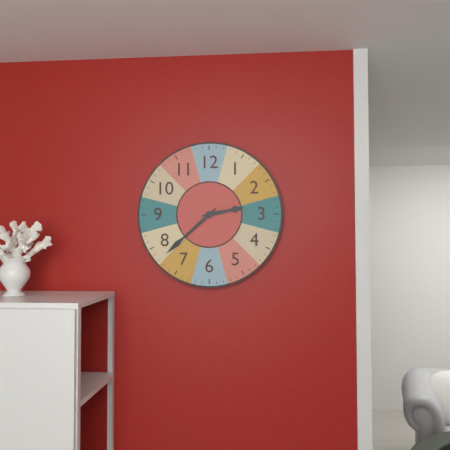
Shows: h=2 m=38
